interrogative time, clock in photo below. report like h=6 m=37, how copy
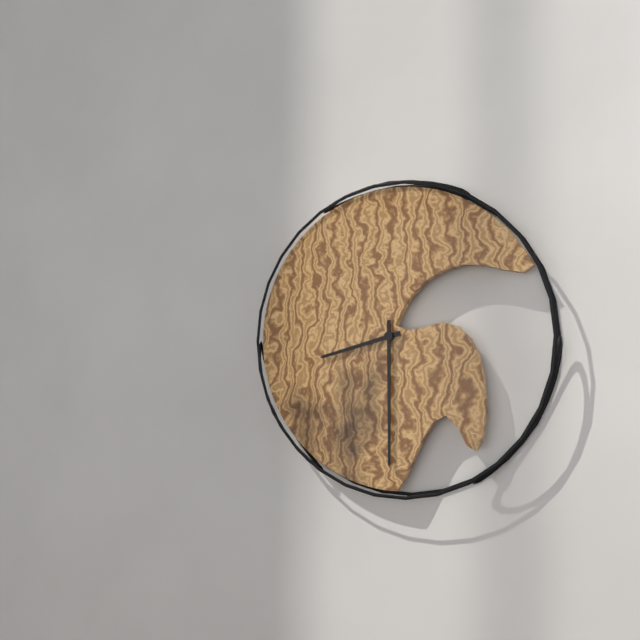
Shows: h=8 m=30
